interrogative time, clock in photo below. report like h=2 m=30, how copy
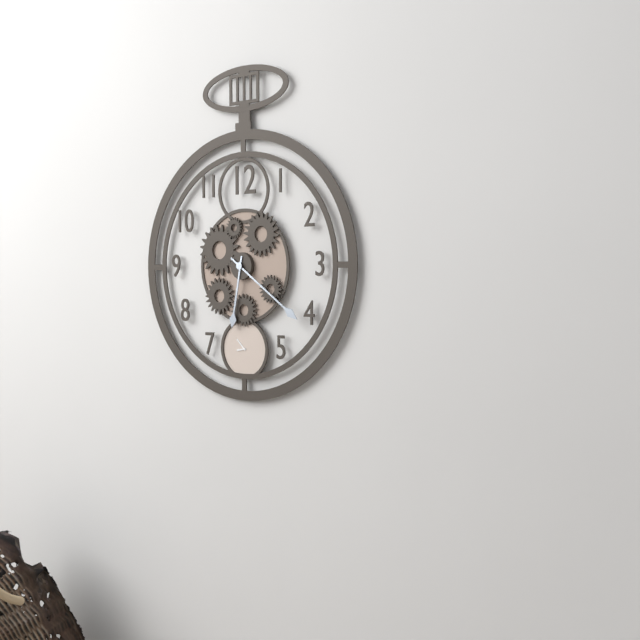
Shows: h=6 m=21
